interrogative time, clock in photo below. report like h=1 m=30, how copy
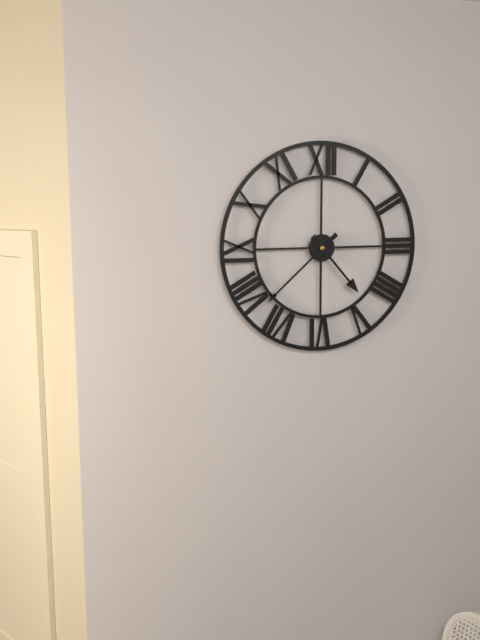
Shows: h=4 m=38
